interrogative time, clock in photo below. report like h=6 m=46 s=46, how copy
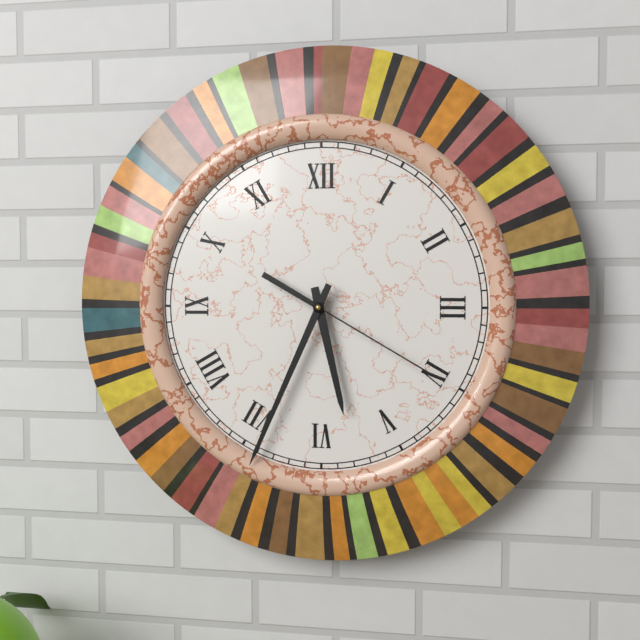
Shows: h=5 m=34 s=20
